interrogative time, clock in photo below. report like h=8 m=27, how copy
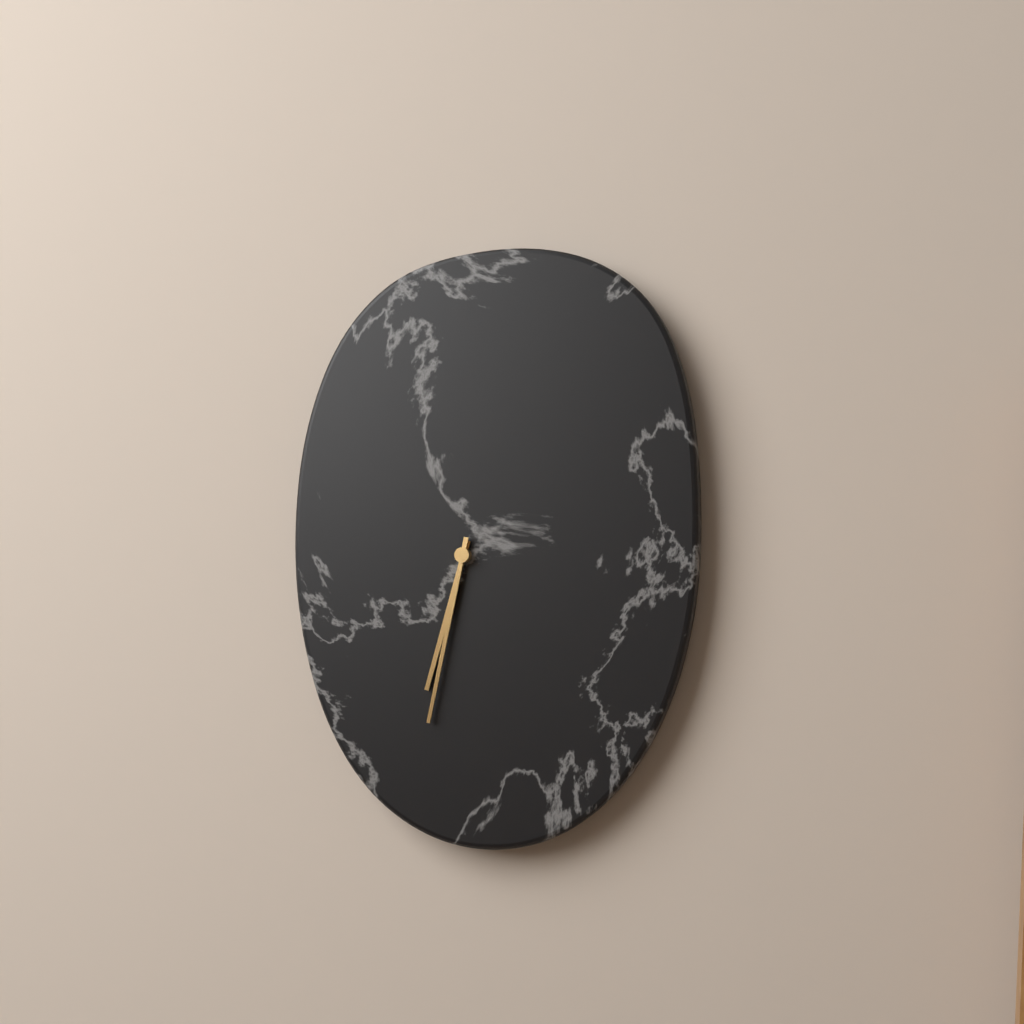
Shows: h=6 m=32
